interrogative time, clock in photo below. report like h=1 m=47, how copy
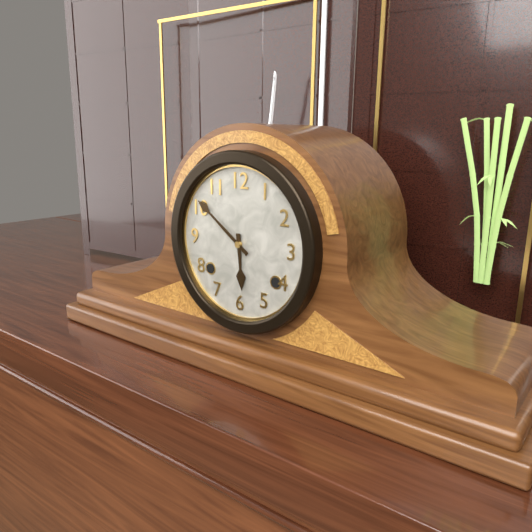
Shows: h=5 m=51
